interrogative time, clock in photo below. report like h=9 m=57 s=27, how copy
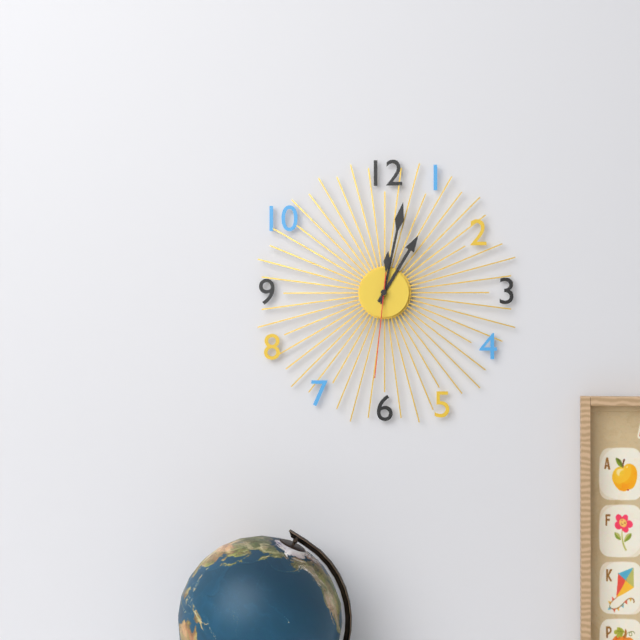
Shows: h=1 m=2 s=31
